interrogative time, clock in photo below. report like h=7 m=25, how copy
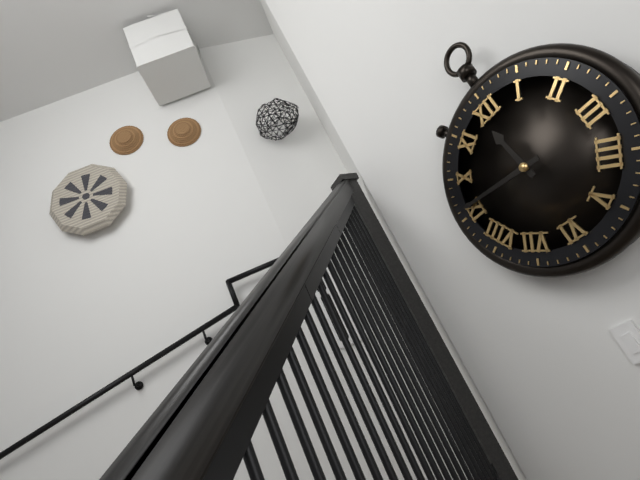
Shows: h=11 m=46
